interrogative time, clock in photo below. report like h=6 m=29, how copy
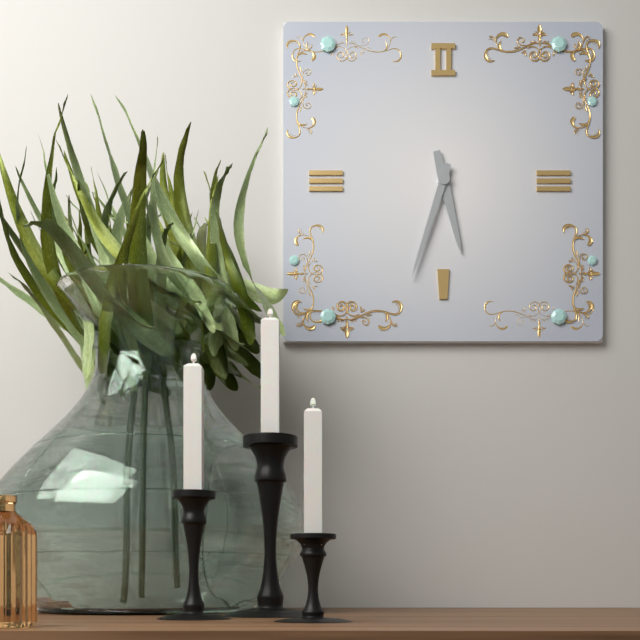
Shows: h=5 m=33
